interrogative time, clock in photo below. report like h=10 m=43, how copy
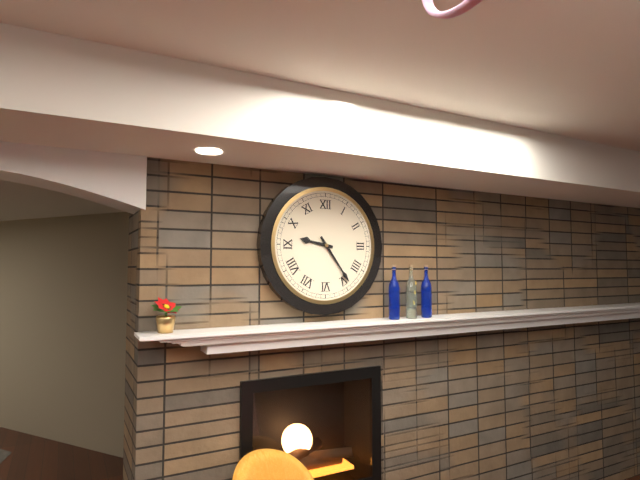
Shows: h=9 m=24
